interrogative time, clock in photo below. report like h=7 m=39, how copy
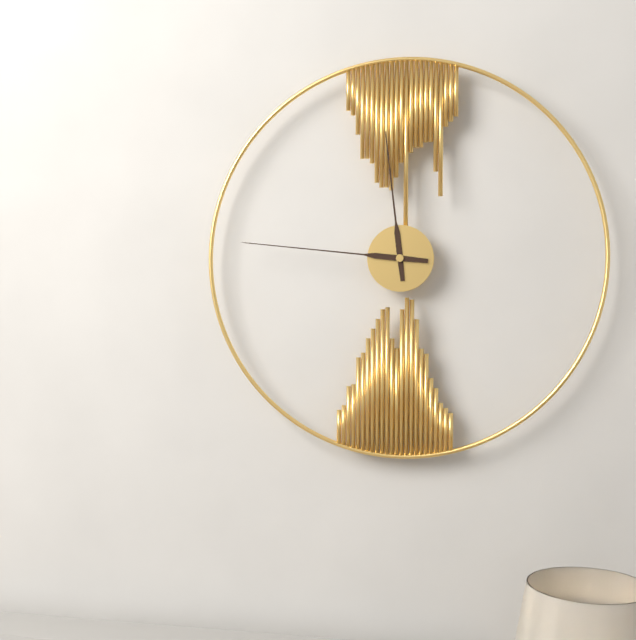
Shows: h=11 m=46
